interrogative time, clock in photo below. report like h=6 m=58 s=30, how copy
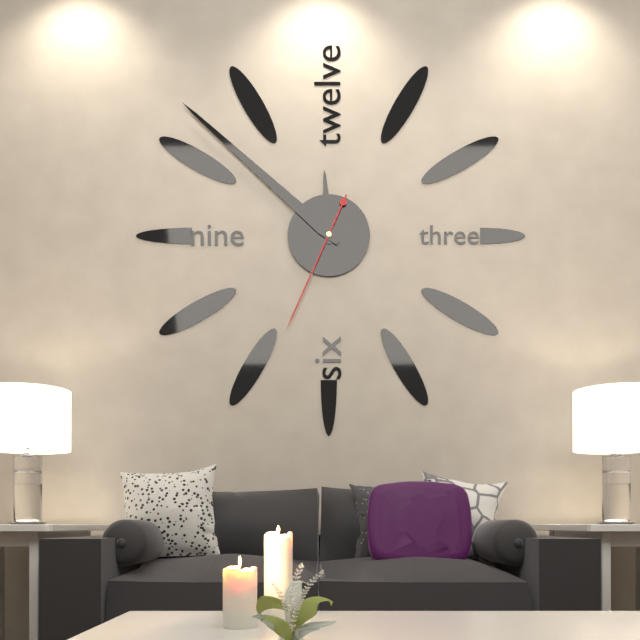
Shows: h=11 m=52 s=34
